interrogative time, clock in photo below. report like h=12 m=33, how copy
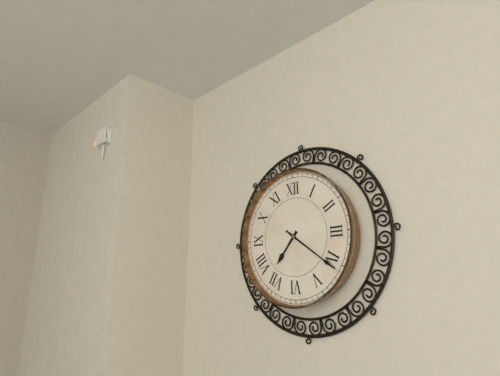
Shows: h=7 m=21
